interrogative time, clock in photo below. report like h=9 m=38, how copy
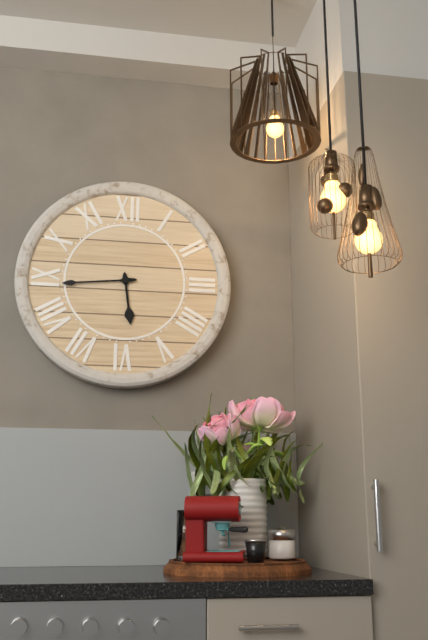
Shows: h=5 m=44
